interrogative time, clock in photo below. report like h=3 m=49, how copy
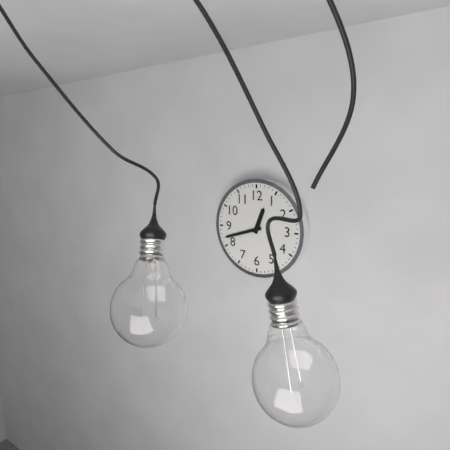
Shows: h=12 m=42
